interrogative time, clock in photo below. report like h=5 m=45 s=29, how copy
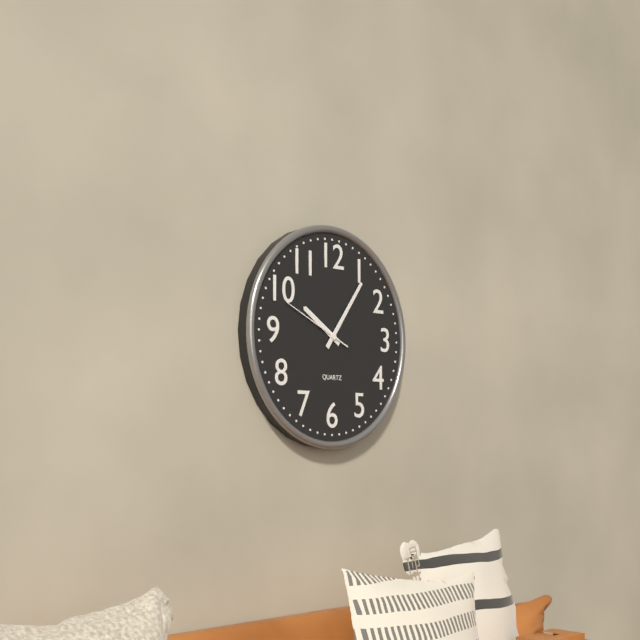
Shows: h=10 m=6 s=49
